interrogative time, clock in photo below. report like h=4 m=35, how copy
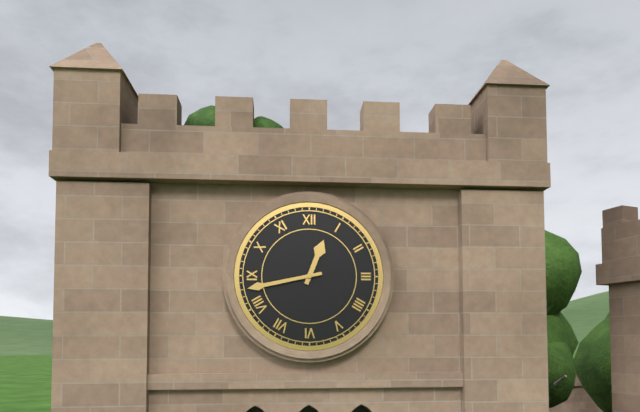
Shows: h=12 m=43
